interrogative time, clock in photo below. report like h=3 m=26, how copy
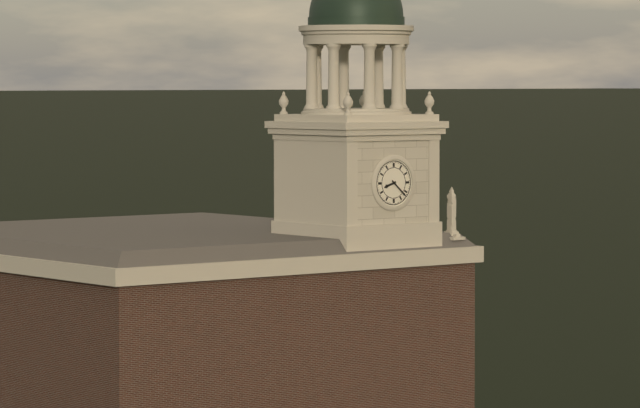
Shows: h=8 m=22
